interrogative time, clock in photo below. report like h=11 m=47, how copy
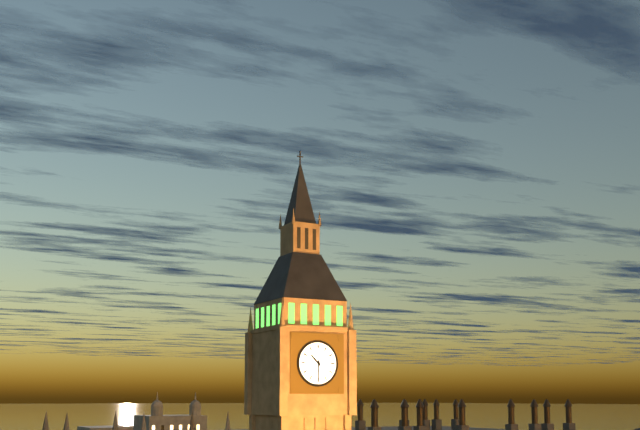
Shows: h=10 m=30
